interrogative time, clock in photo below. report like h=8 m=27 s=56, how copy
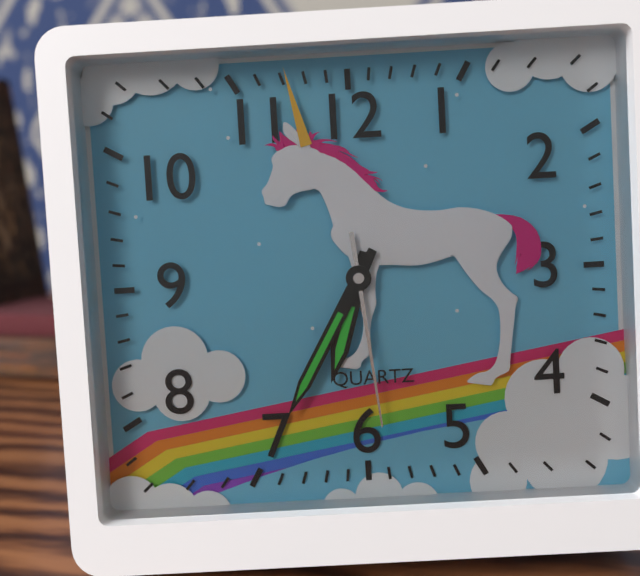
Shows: h=6 m=35 s=29
